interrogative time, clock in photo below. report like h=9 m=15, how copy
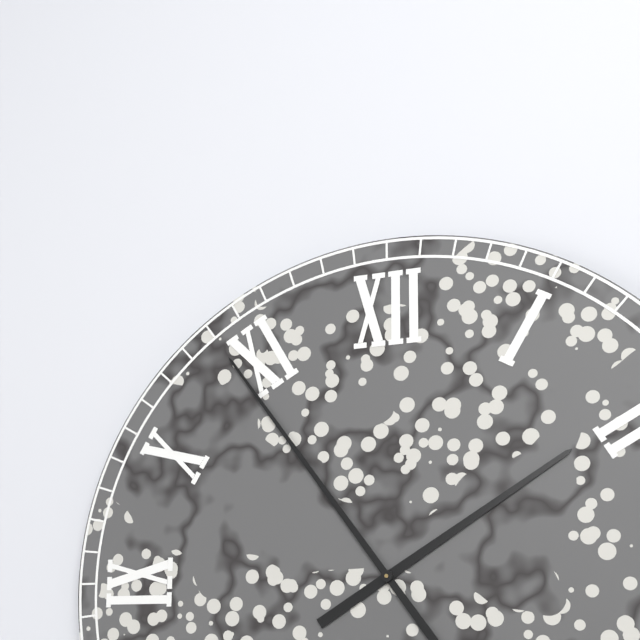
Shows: h=1 m=54
